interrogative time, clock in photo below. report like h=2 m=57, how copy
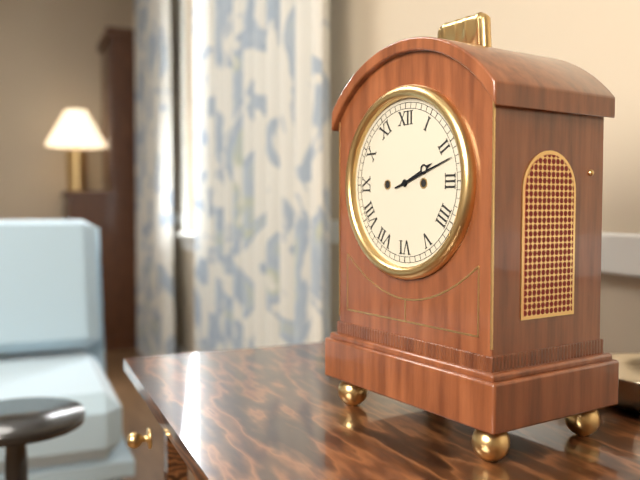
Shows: h=2 m=12
